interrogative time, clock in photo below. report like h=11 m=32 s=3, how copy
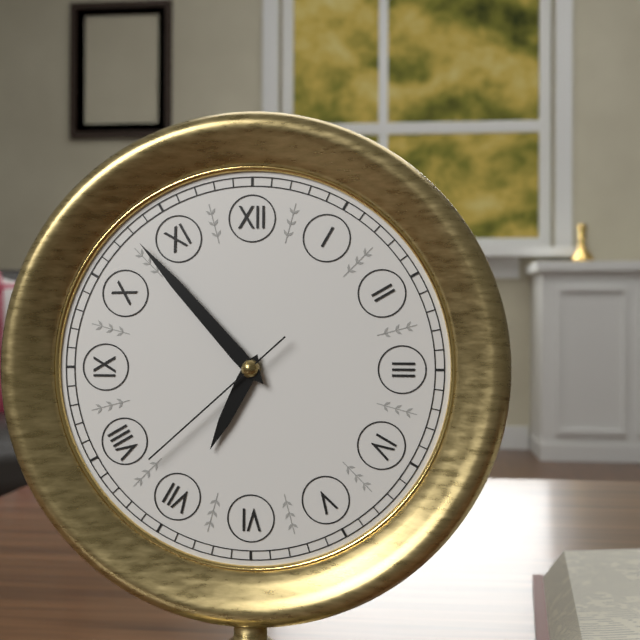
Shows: h=6 m=53 s=38
